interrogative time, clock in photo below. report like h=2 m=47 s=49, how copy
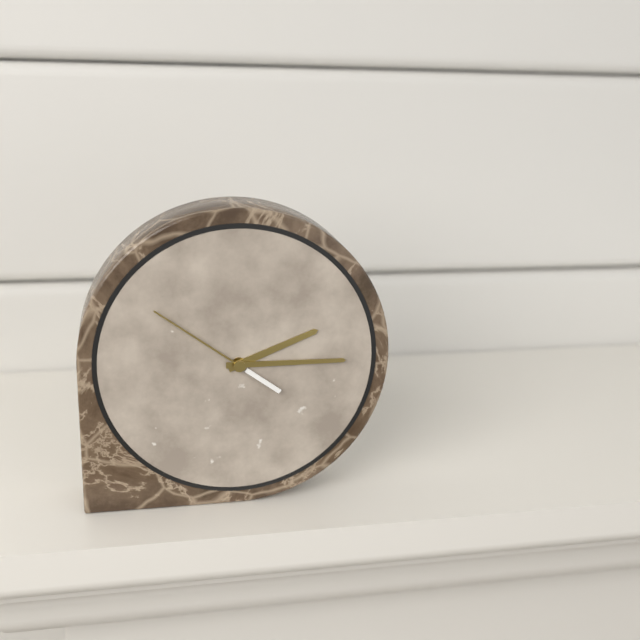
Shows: h=2 m=15 s=51
